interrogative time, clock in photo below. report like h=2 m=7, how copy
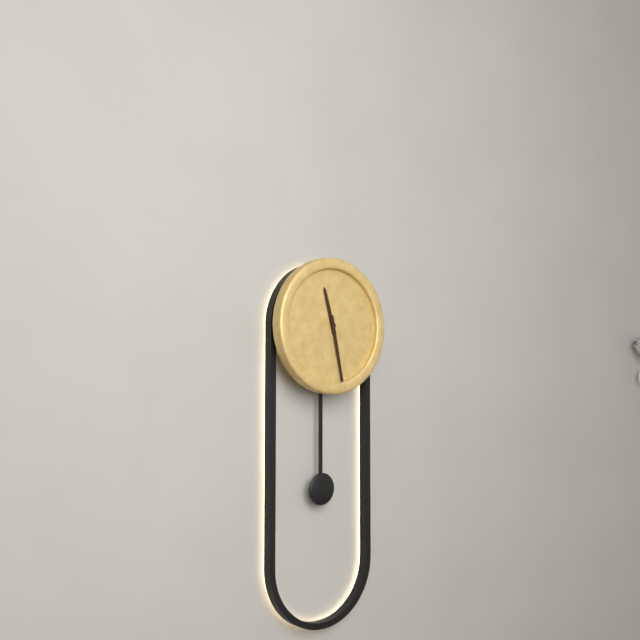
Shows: h=11 m=28
